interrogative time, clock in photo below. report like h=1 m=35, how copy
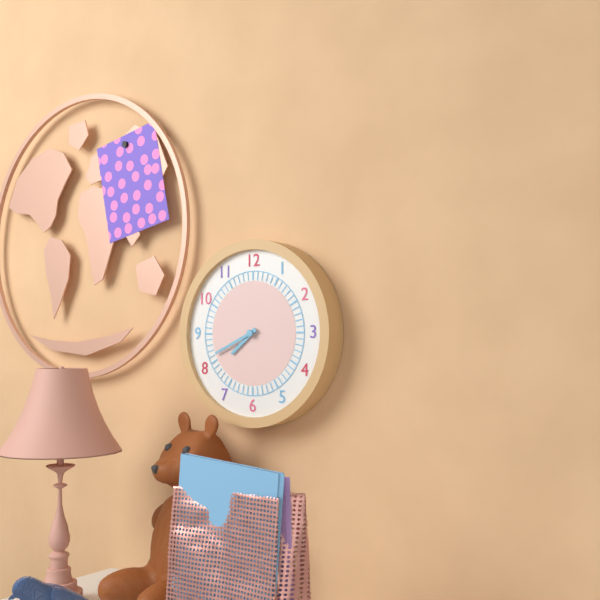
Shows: h=7 m=41
